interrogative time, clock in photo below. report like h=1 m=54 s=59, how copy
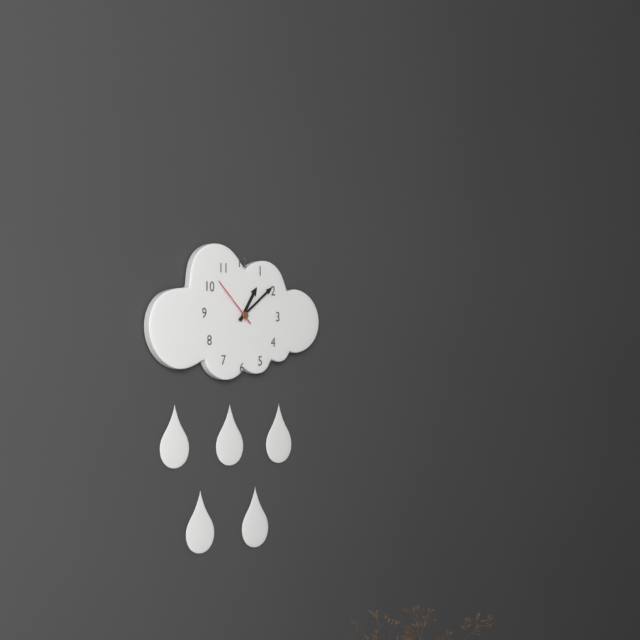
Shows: h=1 m=9 s=52
